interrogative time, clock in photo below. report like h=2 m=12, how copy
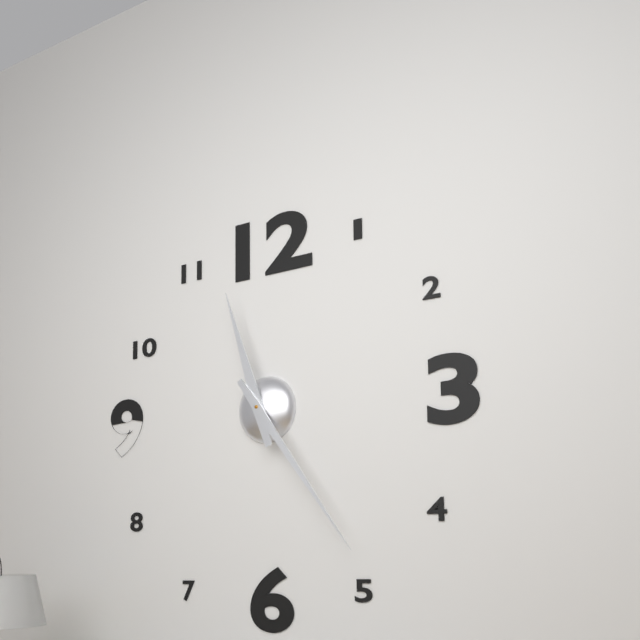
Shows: h=11 m=24
